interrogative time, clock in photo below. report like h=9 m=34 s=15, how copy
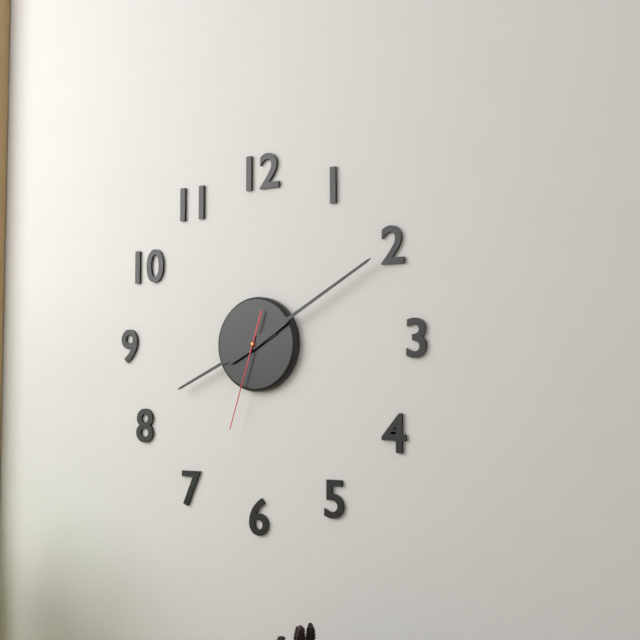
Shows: h=8 m=10 s=33
